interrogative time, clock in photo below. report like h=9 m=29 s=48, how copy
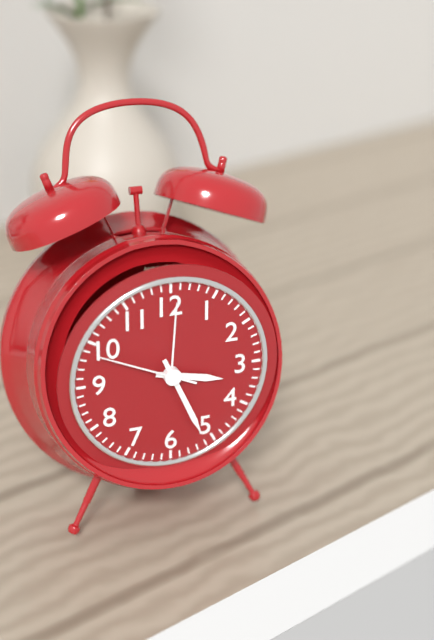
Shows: h=3 m=26 s=49
